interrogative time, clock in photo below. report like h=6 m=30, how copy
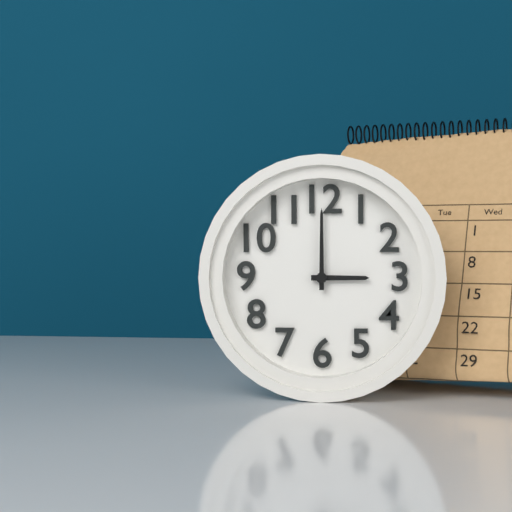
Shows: h=3 m=0
